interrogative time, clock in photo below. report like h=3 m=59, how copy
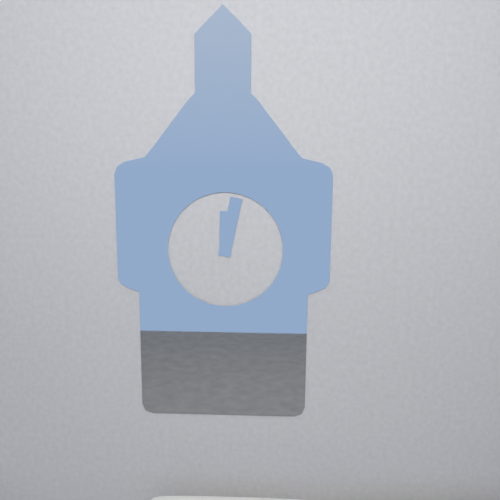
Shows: h=12 m=2
